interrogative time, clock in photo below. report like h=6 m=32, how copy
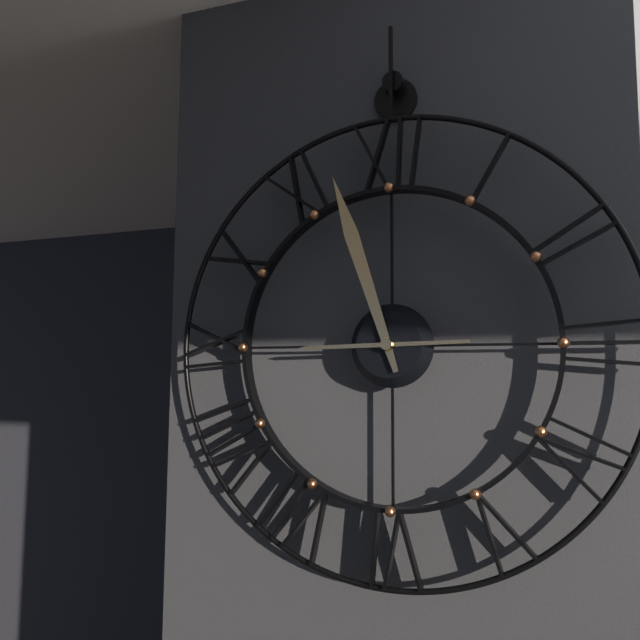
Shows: h=8 m=57
